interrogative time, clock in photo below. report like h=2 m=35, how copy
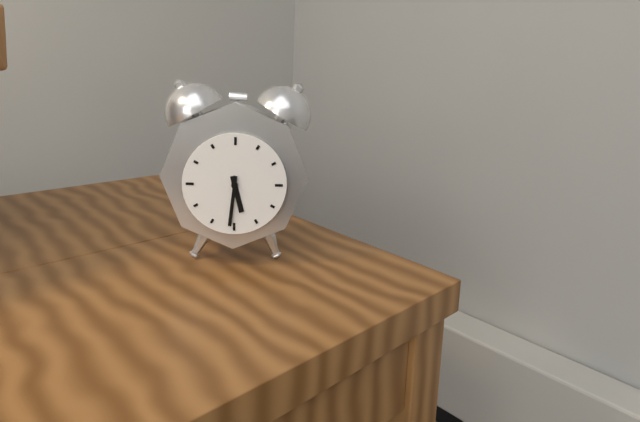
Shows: h=5 m=31
